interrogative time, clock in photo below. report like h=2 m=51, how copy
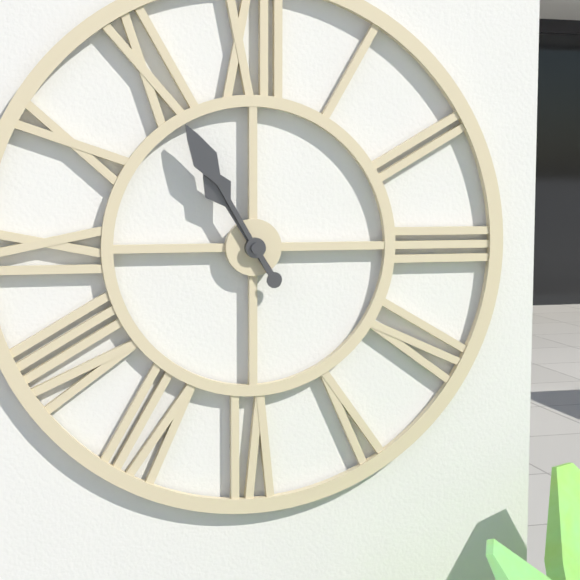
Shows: h=10 m=55
